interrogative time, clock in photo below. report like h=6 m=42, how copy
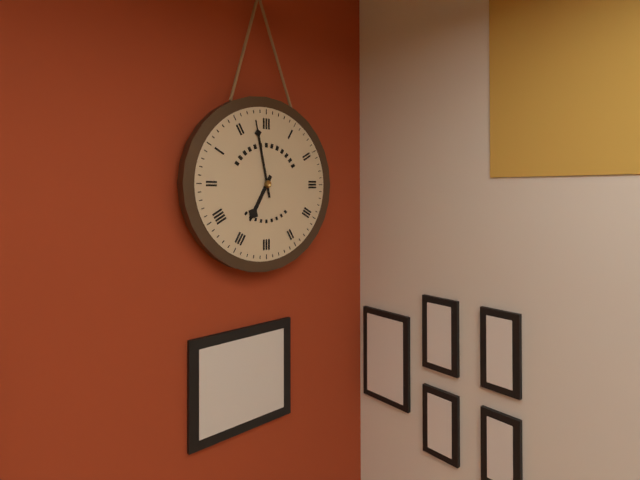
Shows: h=6 m=58
